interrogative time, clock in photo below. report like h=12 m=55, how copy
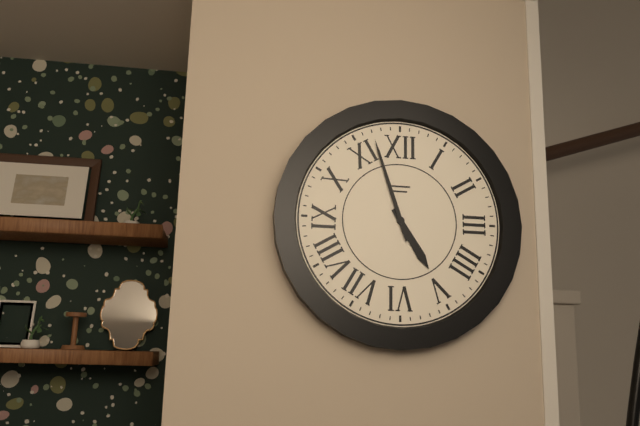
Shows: h=4 m=57
